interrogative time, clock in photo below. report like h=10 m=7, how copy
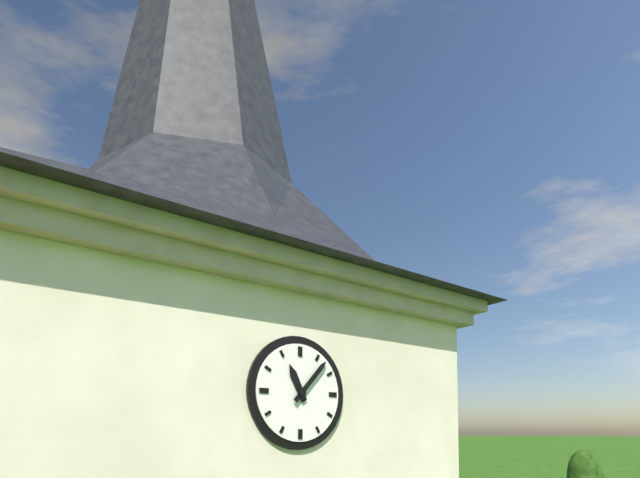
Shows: h=11 m=7
